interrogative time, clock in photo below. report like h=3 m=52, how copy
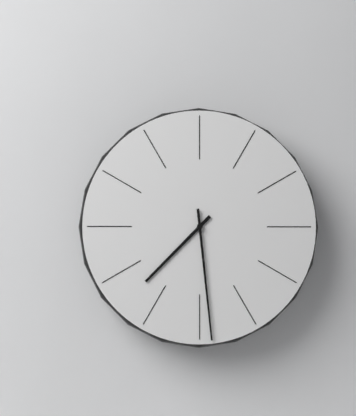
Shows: h=7 m=29
